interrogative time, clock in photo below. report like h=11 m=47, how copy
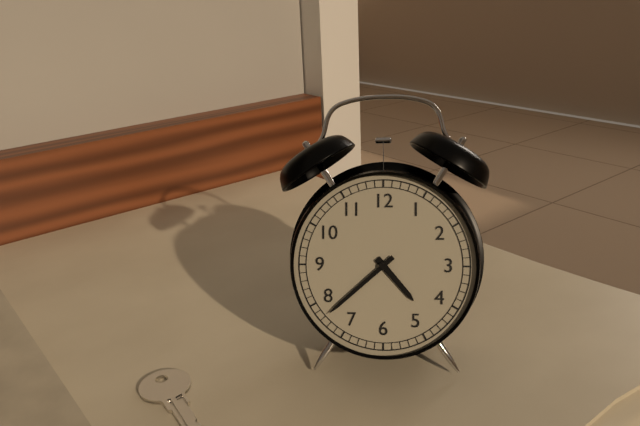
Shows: h=4 m=38
